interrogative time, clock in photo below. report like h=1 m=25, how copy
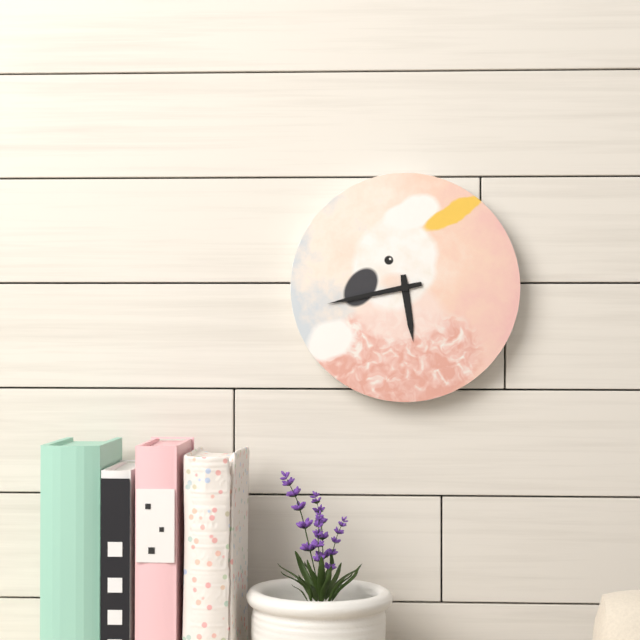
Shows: h=5 m=43
